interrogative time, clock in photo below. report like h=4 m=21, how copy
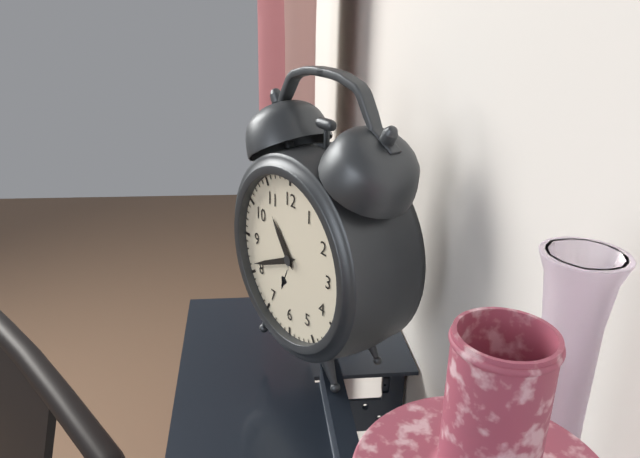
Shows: h=10 m=41
